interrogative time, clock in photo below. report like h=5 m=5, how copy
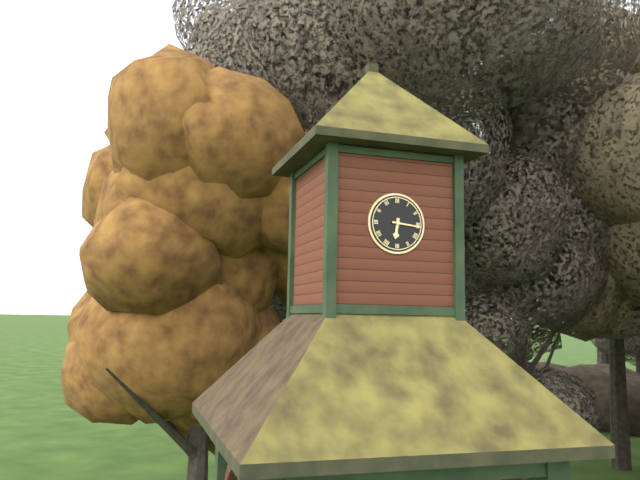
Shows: h=6 m=16
